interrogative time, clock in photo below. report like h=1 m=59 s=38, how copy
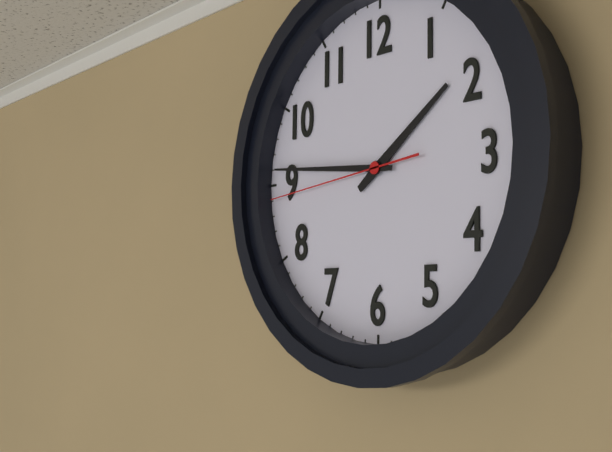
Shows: h=1 m=46 s=44
